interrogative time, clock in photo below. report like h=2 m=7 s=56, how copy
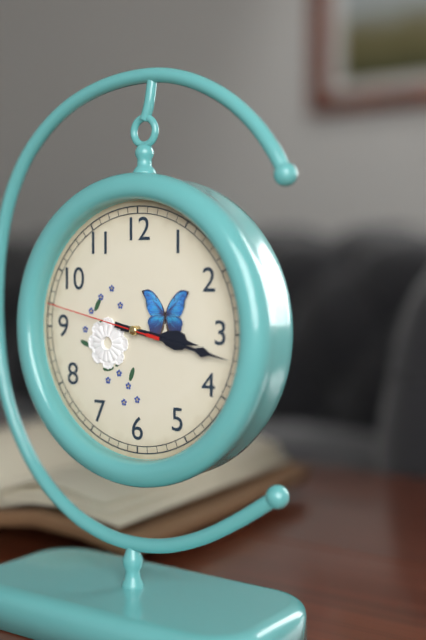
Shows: h=3 m=17 s=47
